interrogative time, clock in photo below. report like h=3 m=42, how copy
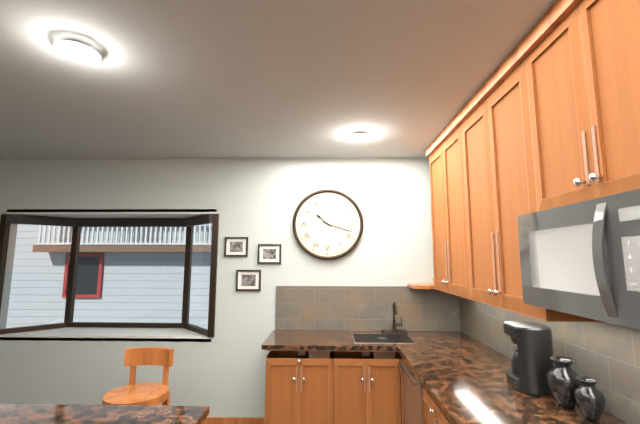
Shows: h=10 m=18
